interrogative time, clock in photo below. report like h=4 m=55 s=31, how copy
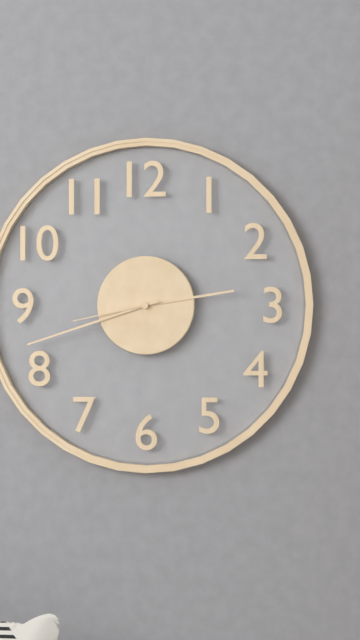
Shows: h=2 m=42 s=43
